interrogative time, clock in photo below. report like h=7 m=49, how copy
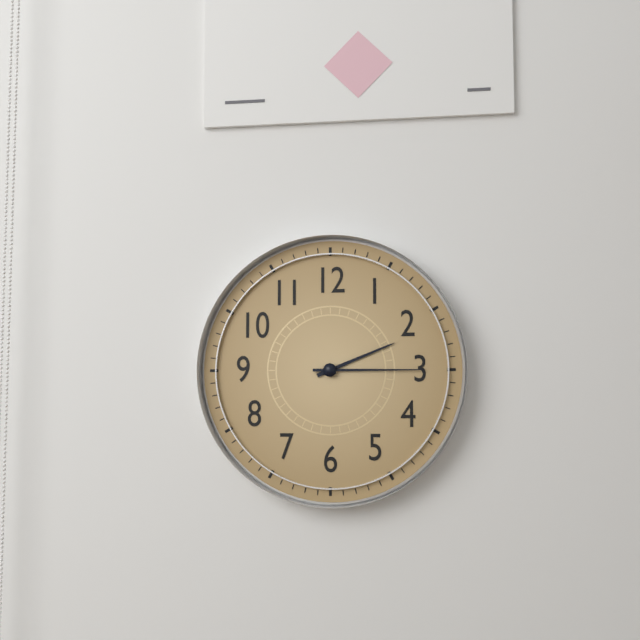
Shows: h=2 m=15
